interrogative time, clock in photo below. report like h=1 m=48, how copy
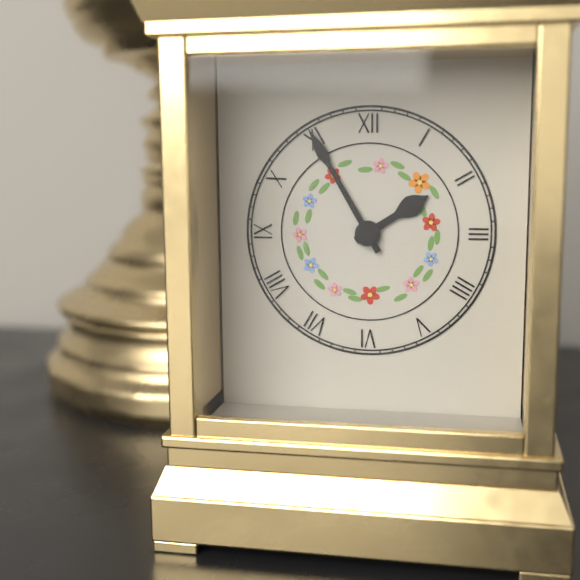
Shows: h=1 m=55
